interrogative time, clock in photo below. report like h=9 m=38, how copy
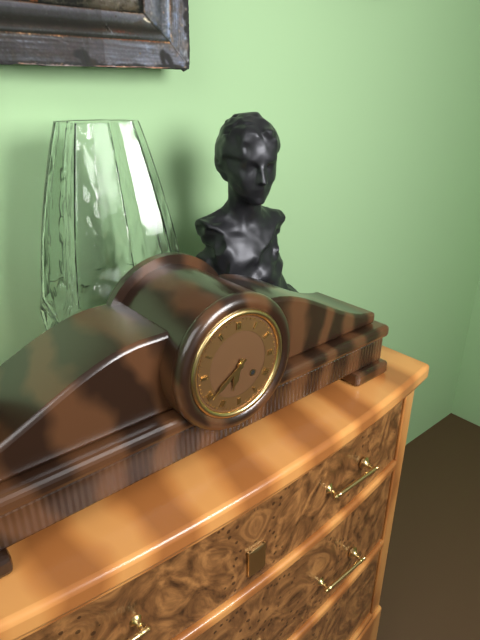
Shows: h=6 m=39
